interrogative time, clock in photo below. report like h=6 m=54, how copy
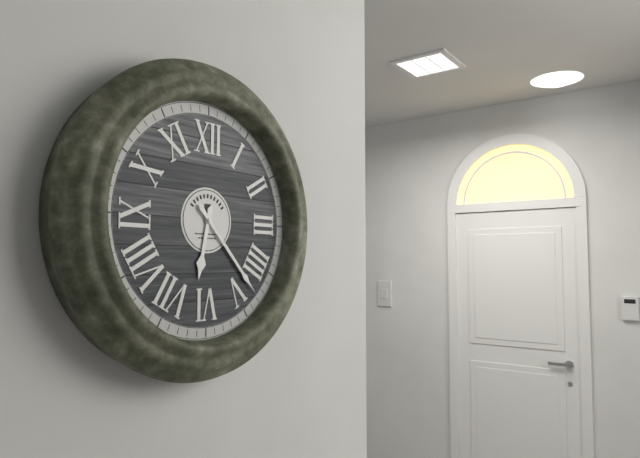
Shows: h=6 m=23
